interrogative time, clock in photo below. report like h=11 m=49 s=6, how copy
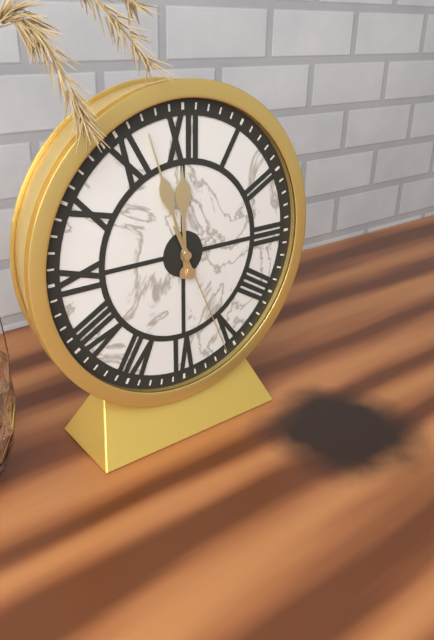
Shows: h=11 m=57 s=26
